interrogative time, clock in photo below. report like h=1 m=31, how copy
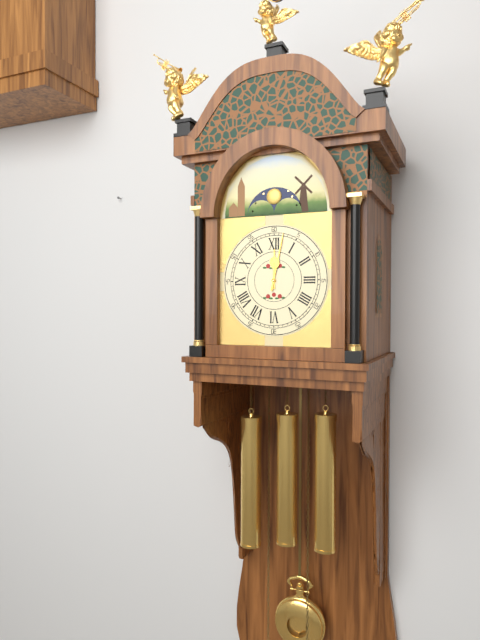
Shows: h=12 m=2
